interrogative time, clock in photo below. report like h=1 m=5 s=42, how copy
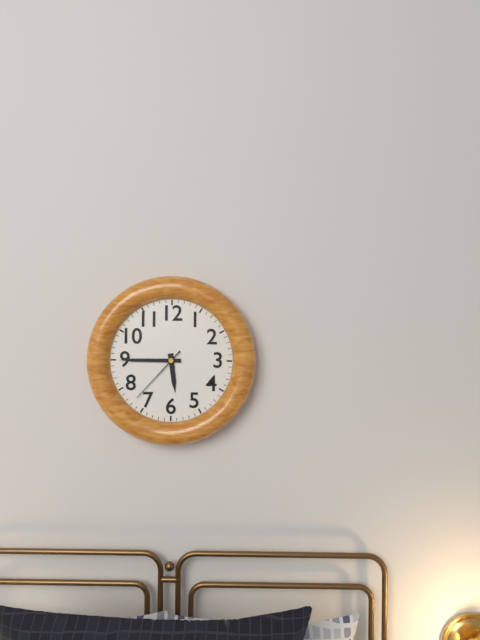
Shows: h=5 m=45 s=37
